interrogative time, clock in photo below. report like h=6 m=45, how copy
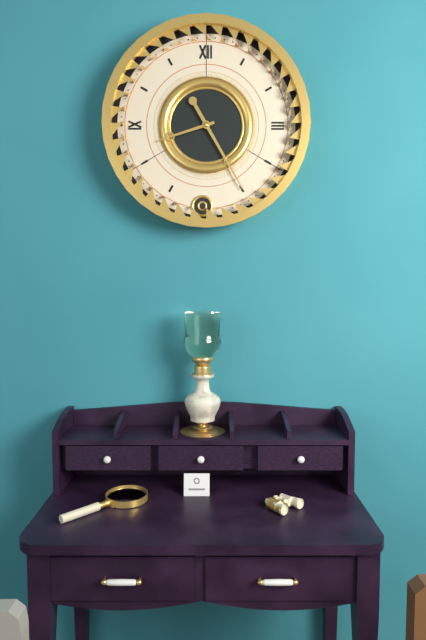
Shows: h=8 m=25
